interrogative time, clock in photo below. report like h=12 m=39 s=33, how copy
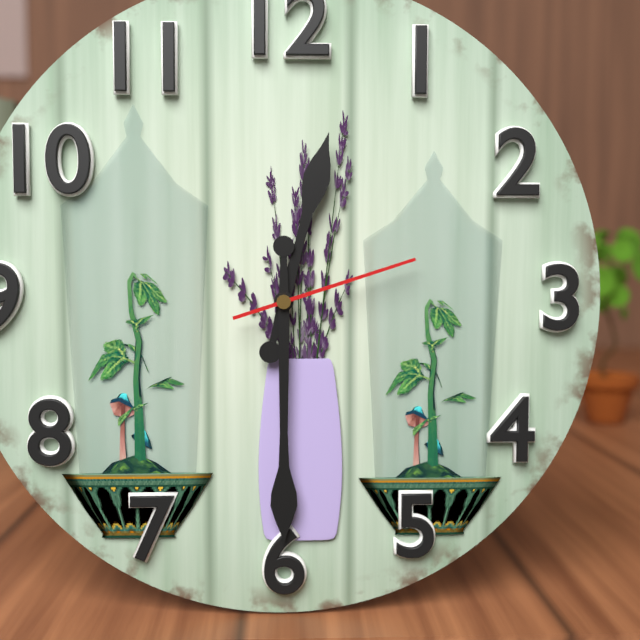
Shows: h=12 m=30 s=12
